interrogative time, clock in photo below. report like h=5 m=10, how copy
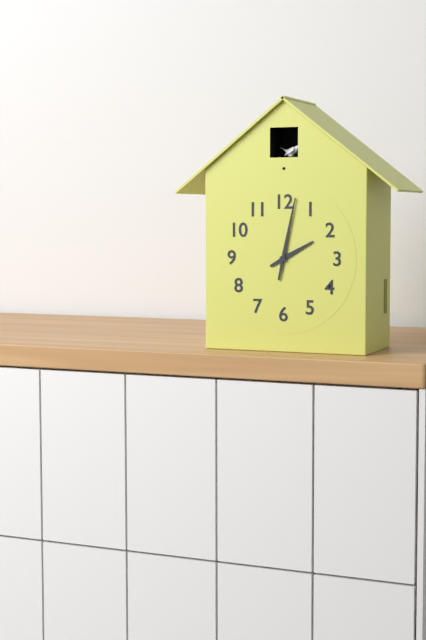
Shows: h=2 m=2
